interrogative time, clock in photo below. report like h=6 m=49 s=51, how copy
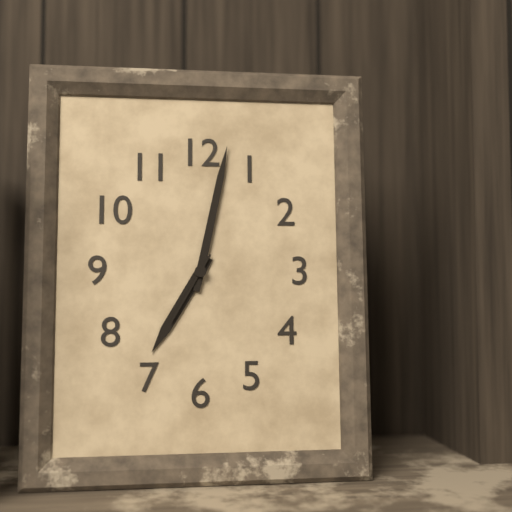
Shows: h=7 m=2 s=35
